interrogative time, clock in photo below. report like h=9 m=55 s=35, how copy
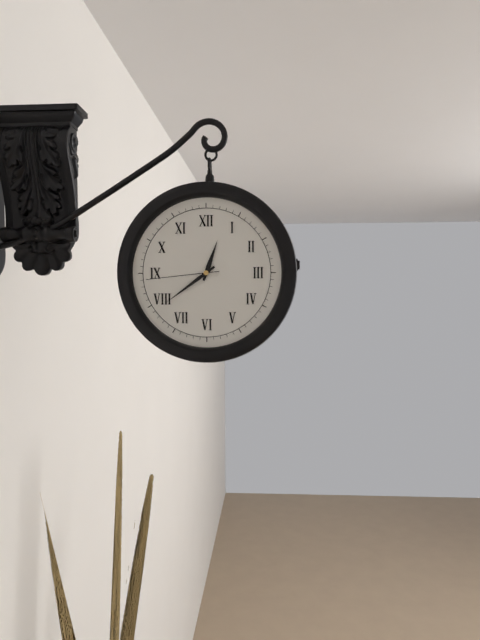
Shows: h=12 m=39 s=44
